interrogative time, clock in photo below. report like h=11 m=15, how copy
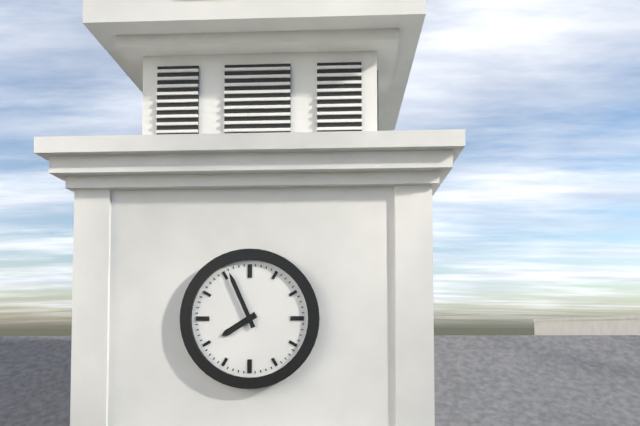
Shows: h=7 m=56
